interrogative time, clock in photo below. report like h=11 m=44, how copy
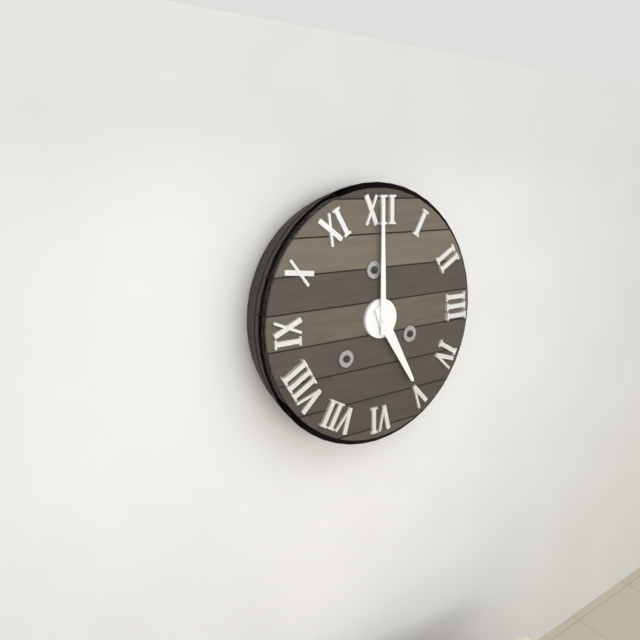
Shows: h=5 m=0
